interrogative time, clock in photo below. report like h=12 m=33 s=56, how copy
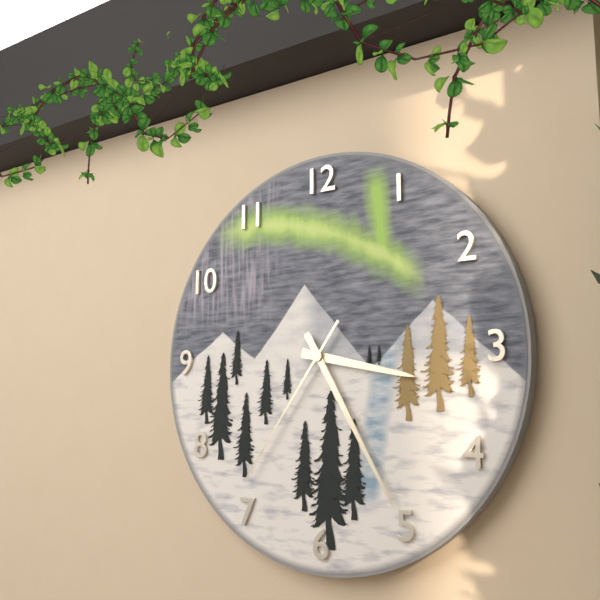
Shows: h=3 m=25 s=36
